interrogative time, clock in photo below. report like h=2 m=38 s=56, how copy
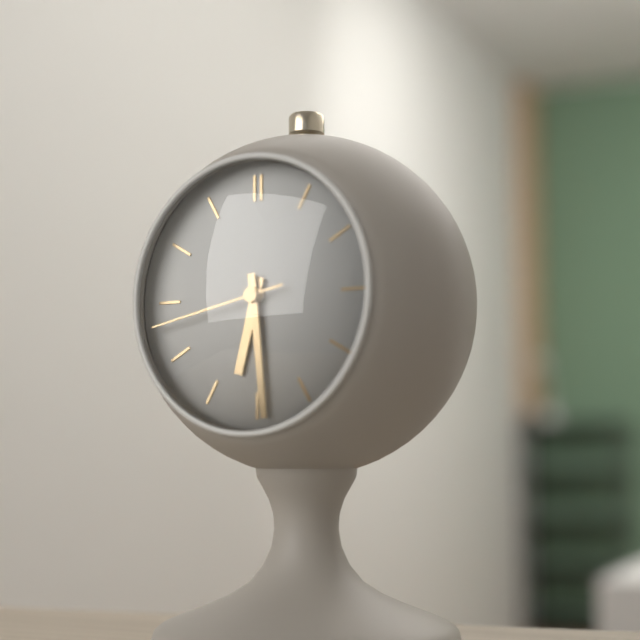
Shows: h=6 m=29 s=43
